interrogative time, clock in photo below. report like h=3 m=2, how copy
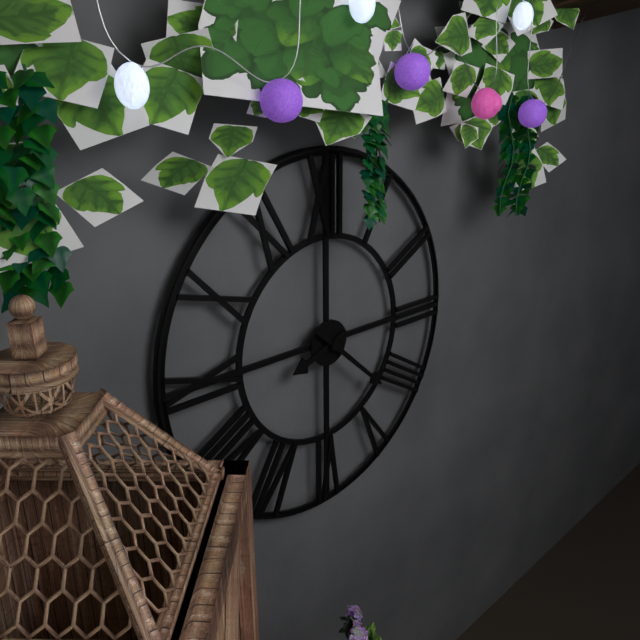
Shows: h=8 m=22
